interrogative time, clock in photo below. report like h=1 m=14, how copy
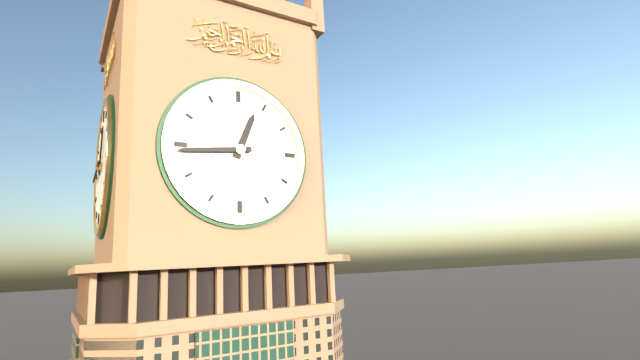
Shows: h=12 m=44
